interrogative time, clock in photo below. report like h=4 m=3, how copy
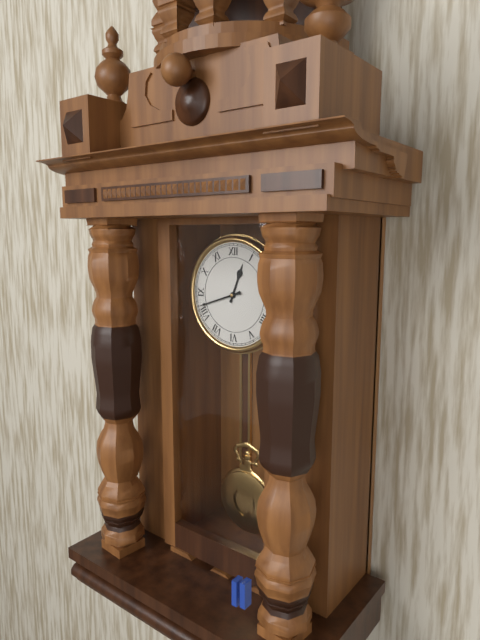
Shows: h=12 m=42
